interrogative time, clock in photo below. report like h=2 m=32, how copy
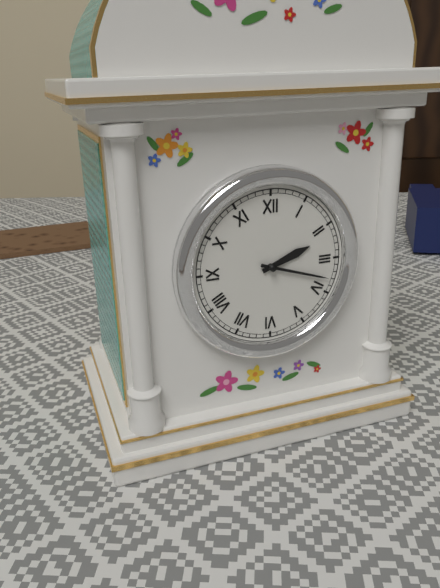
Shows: h=2 m=18
